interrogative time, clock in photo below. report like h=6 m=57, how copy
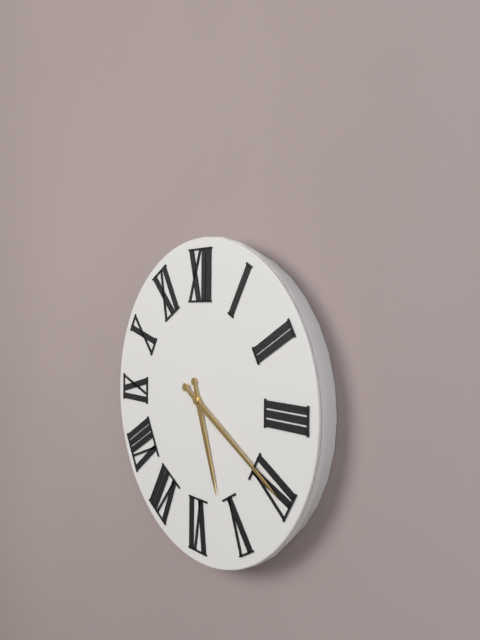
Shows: h=5 m=20
